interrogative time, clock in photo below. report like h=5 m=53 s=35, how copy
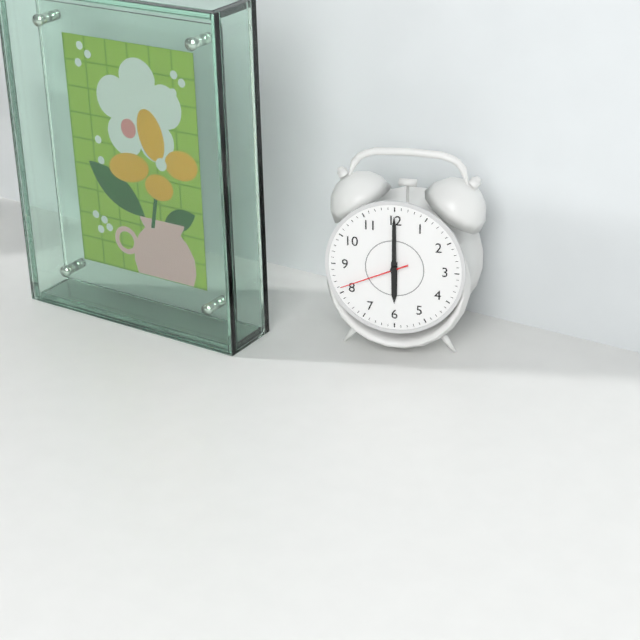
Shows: h=6 m=0 s=41
